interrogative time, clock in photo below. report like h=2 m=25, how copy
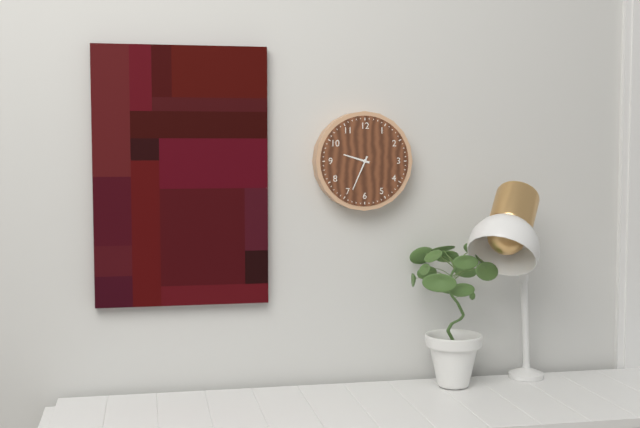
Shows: h=9 m=34
